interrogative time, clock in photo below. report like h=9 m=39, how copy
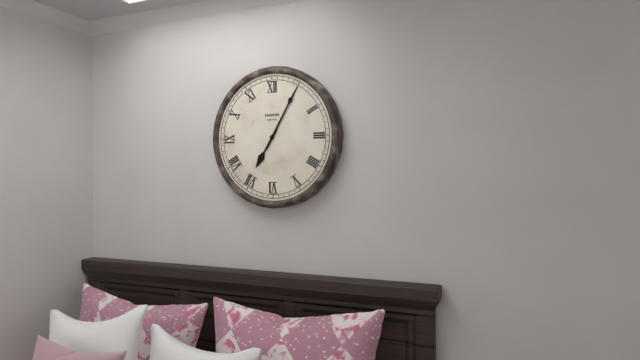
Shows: h=7 m=5
